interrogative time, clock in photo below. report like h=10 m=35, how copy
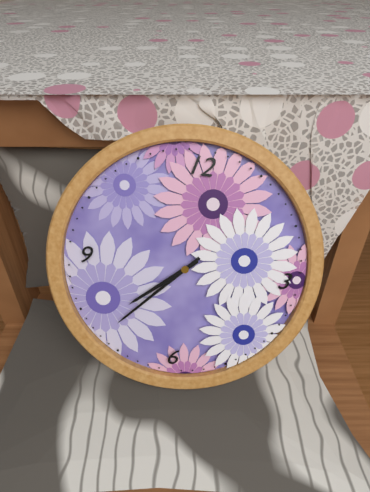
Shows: h=7 m=37
